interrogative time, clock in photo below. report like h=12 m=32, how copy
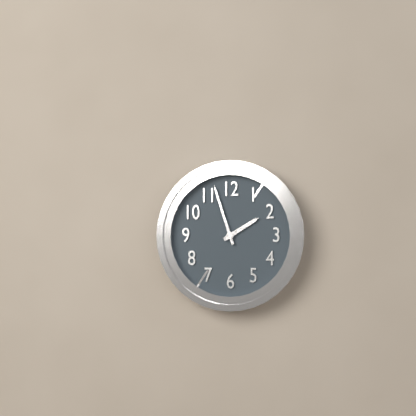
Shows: h=1 m=57
